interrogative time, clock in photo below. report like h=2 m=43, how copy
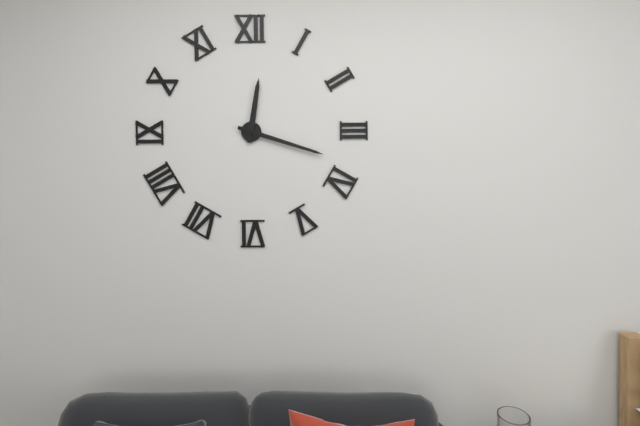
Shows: h=12 m=18
